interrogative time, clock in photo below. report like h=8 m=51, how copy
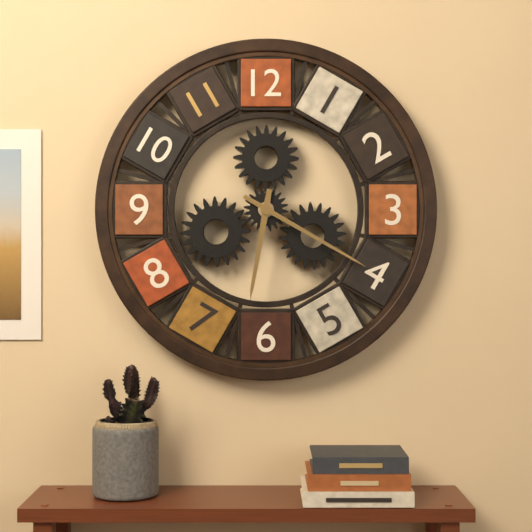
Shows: h=6 m=20
